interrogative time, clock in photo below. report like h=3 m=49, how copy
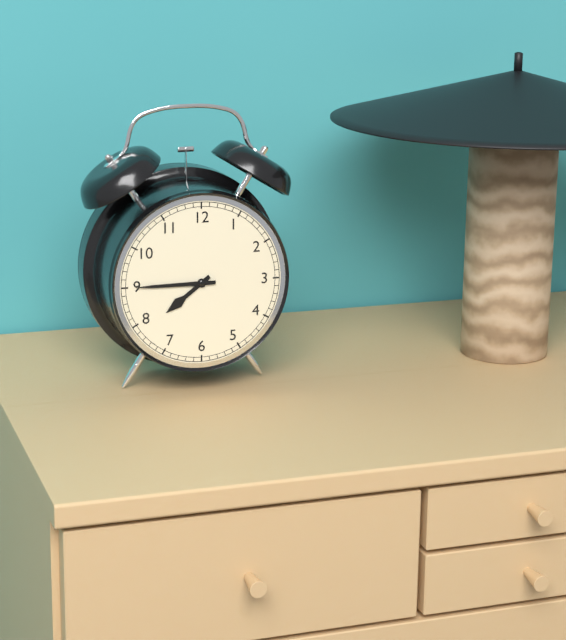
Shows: h=7 m=45
